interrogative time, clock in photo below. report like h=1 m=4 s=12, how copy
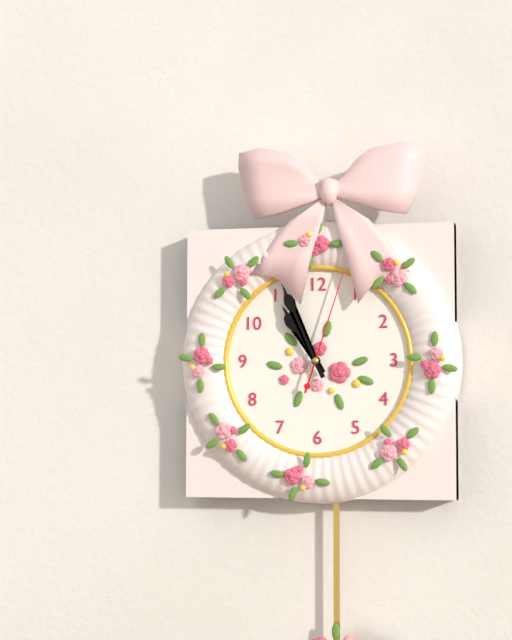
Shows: h=10 m=56 s=3
